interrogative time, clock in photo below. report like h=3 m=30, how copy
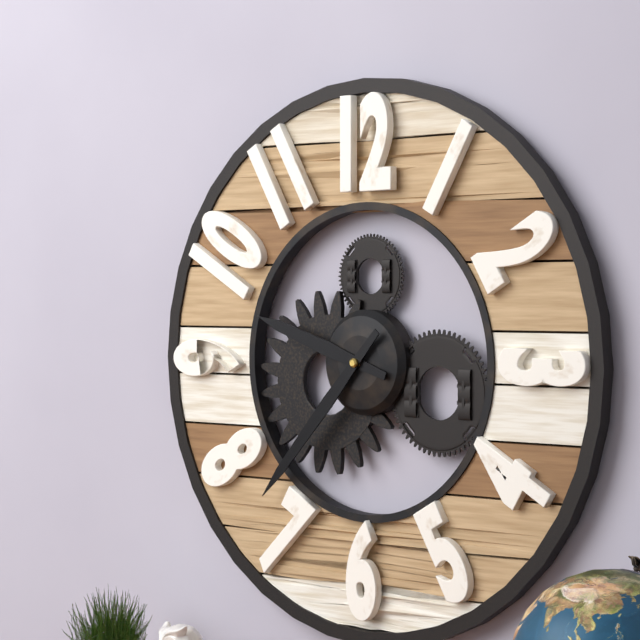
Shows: h=9 m=37
